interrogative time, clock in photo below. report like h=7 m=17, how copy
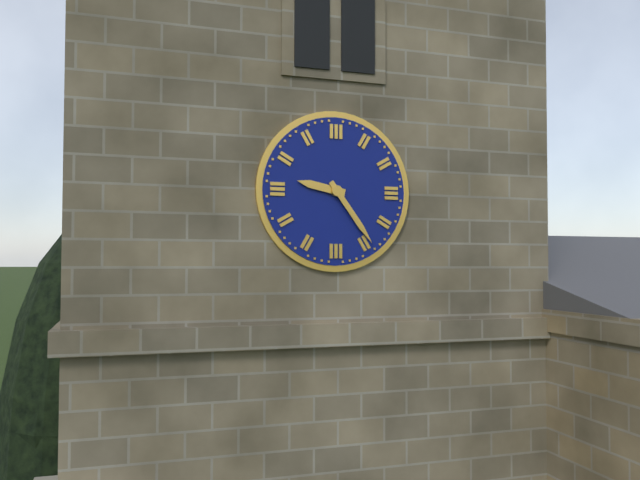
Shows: h=9 m=24
